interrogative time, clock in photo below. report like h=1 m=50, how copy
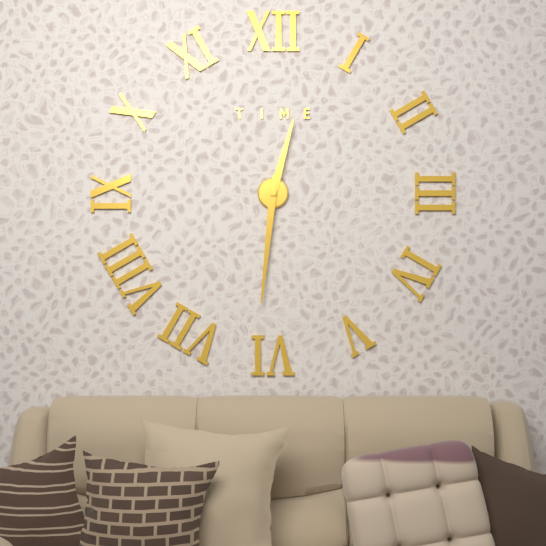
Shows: h=12 m=31
